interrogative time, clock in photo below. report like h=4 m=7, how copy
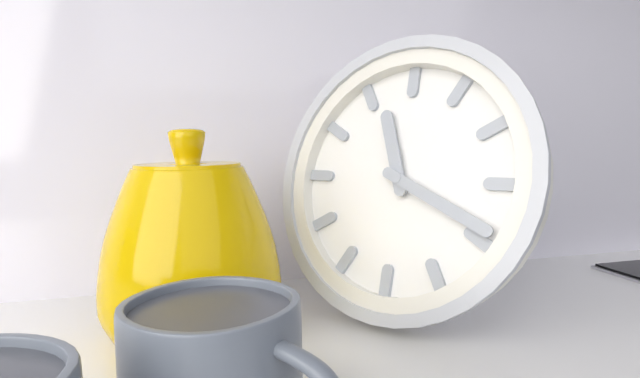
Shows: h=11 m=19
